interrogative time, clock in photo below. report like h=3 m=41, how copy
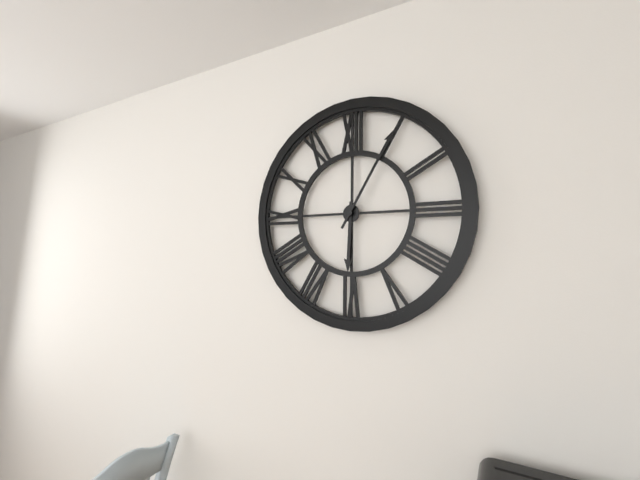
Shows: h=6 m=5
